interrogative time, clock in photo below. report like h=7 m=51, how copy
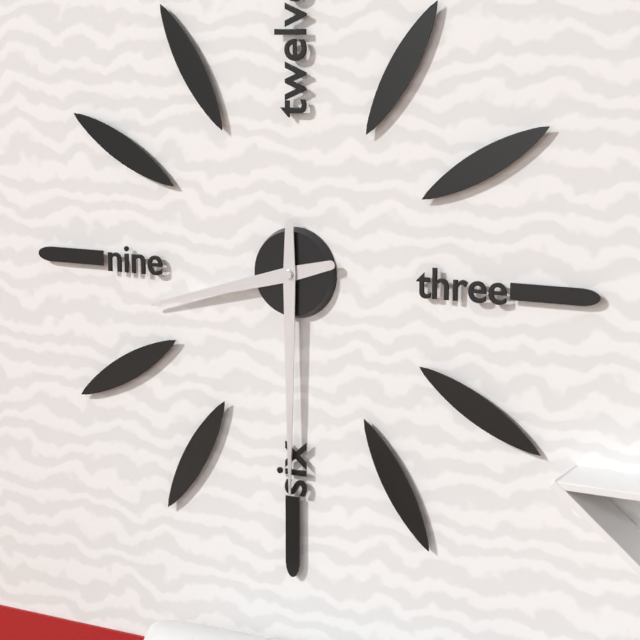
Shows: h=8 m=30
